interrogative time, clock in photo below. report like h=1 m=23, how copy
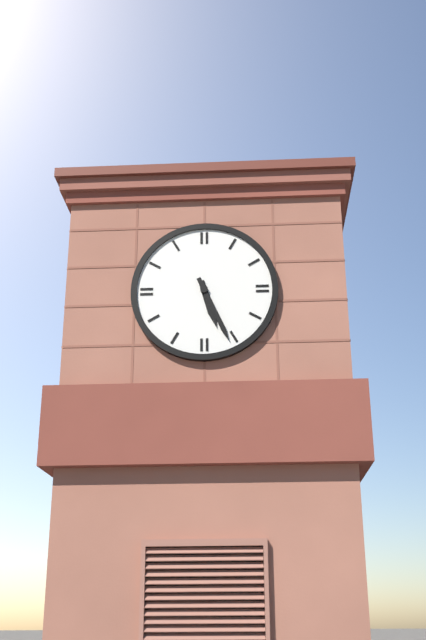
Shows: h=5 m=26
